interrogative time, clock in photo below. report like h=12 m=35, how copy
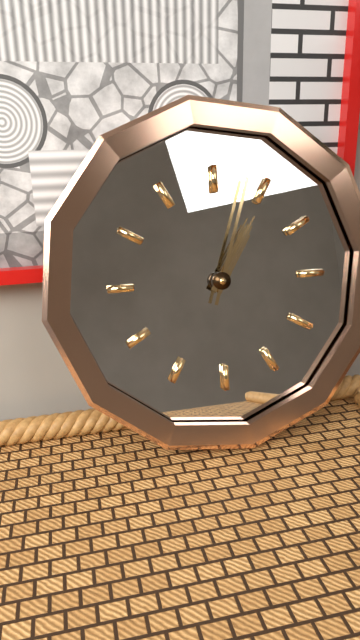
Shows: h=1 m=3
